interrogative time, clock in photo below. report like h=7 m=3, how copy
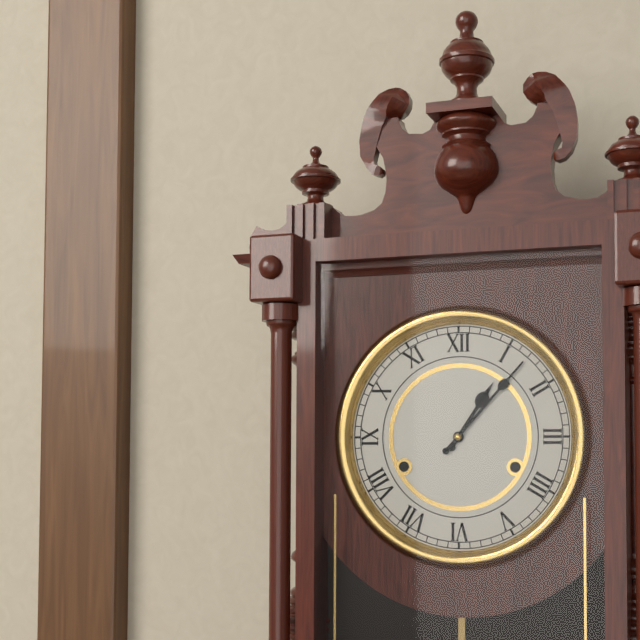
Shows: h=1 m=7
